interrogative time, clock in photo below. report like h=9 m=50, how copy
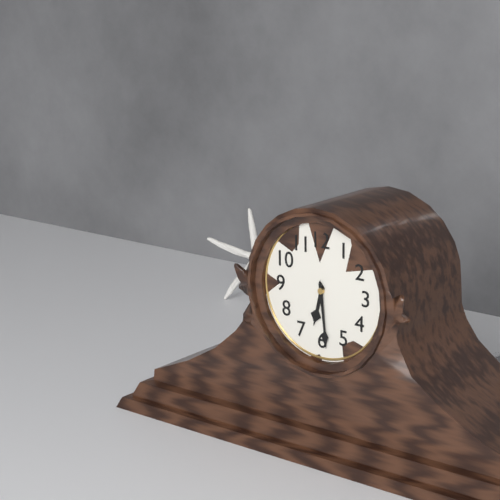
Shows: h=6 m=29
